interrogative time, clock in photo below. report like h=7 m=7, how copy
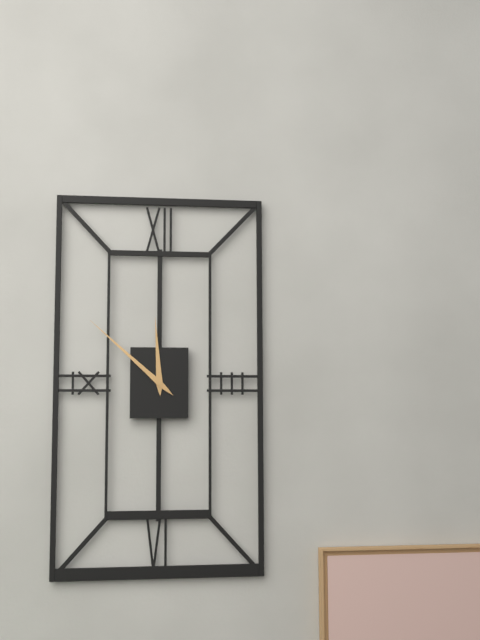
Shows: h=11 m=52
